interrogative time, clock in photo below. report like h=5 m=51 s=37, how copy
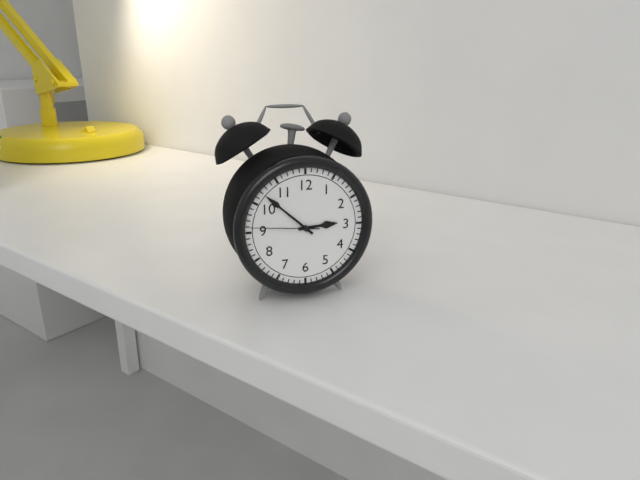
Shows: h=2 m=52 s=46
